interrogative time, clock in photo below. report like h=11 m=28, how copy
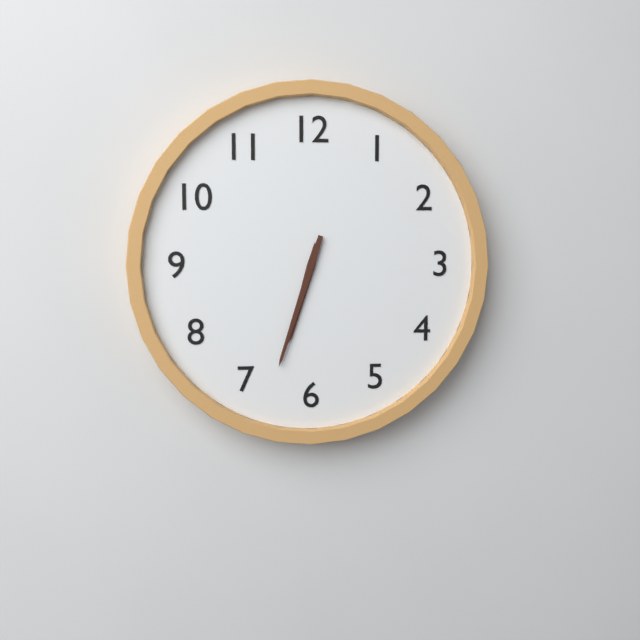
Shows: h=6 m=33
